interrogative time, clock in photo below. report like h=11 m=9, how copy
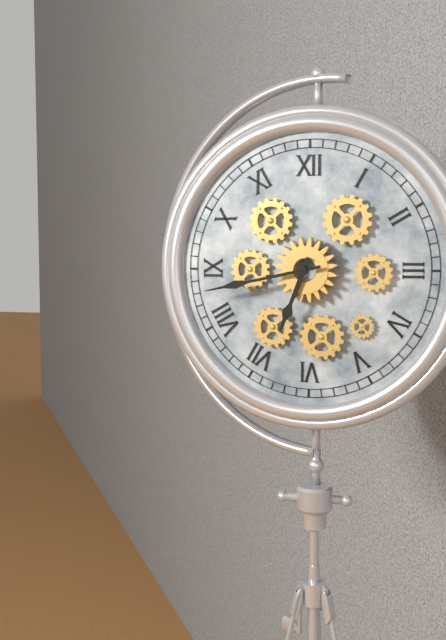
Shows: h=6 m=43
